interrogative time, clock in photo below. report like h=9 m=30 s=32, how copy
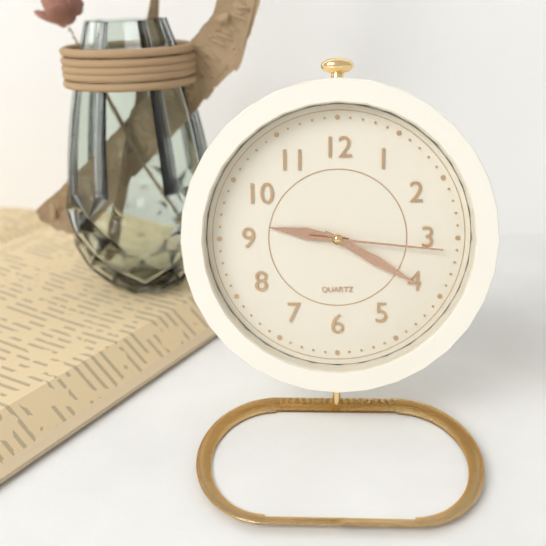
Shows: h=9 m=20 s=16
